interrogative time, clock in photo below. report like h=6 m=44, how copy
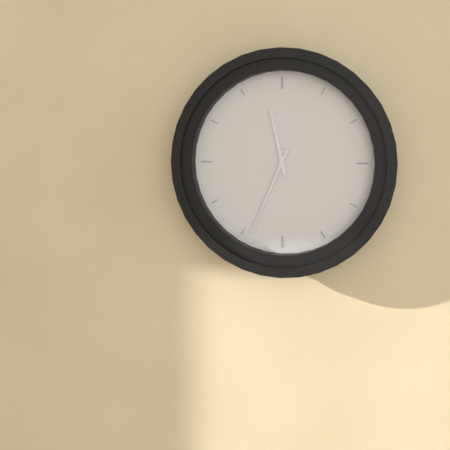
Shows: h=11 m=34
